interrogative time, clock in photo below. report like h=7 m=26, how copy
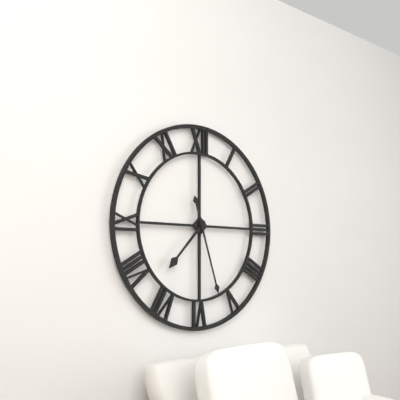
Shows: h=7 m=27
